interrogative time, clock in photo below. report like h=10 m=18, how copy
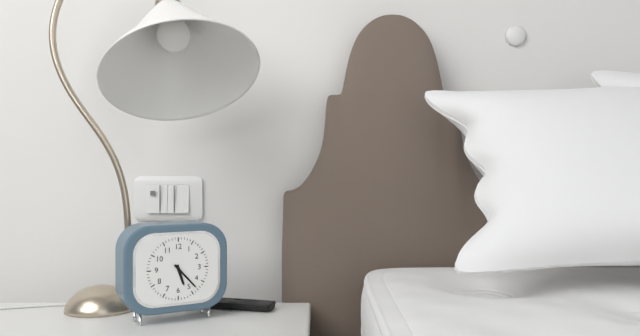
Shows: h=5 m=23
